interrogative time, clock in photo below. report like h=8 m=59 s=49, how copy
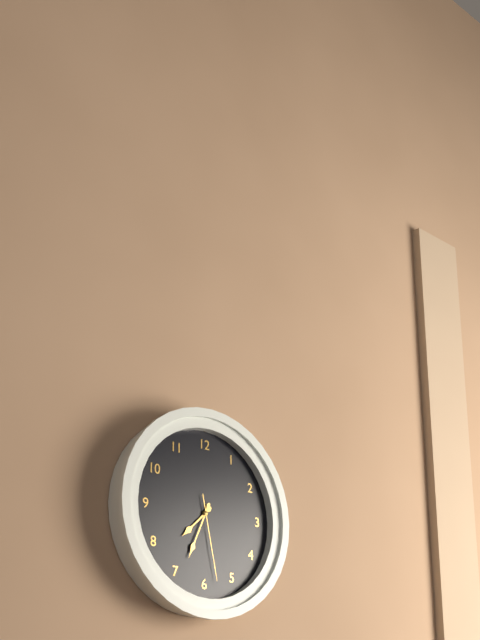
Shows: h=7 m=34 s=28
